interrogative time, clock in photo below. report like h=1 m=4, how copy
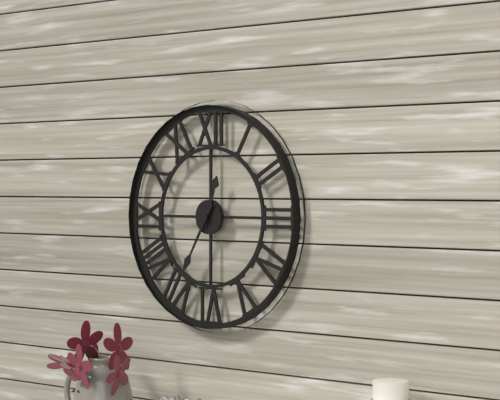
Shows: h=12 m=35
